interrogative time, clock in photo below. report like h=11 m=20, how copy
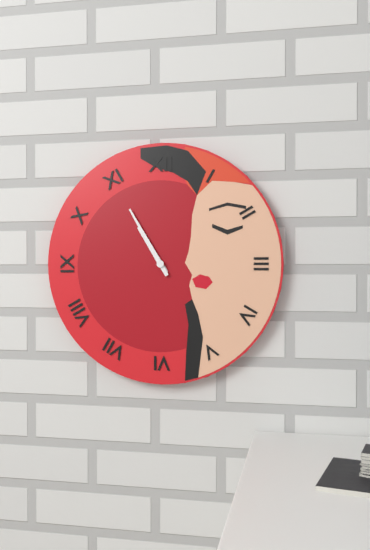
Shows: h=10 m=55
